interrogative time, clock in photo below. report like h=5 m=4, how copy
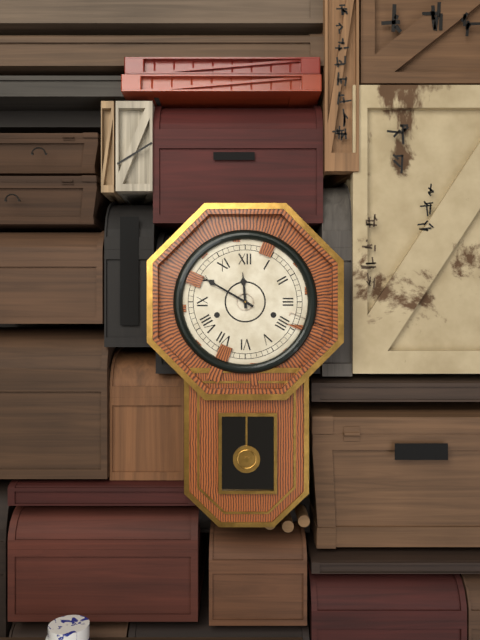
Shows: h=11 m=50
